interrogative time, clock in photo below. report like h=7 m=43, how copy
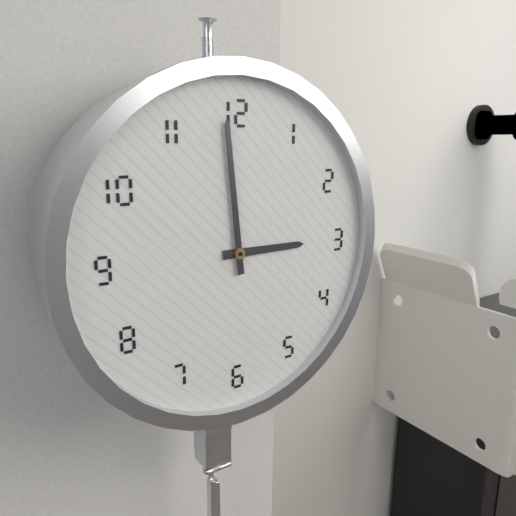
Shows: h=2 m=59
